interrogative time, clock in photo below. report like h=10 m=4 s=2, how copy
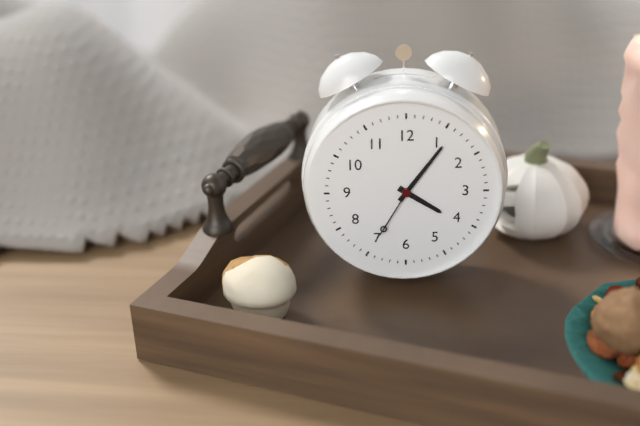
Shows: h=4 m=6 s=35
